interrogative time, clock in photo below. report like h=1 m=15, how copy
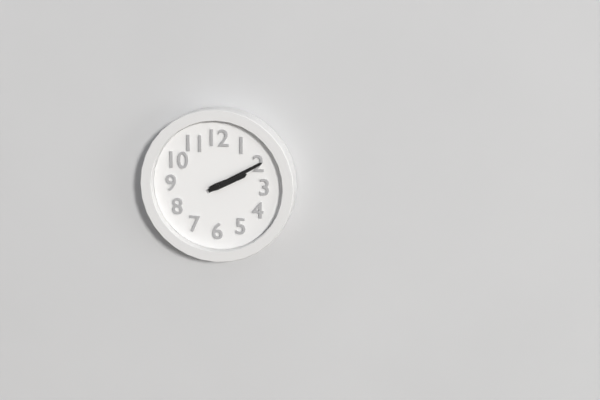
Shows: h=2 m=10
